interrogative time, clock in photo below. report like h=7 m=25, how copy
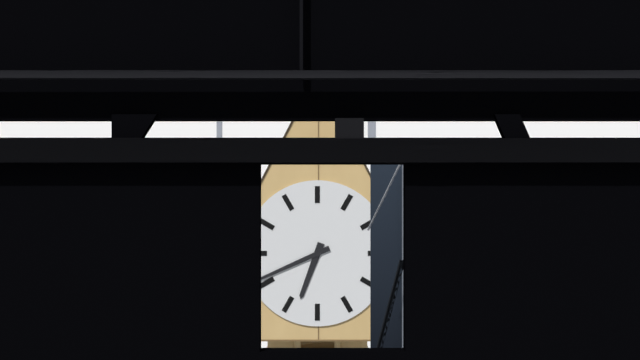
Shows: h=6 m=41
